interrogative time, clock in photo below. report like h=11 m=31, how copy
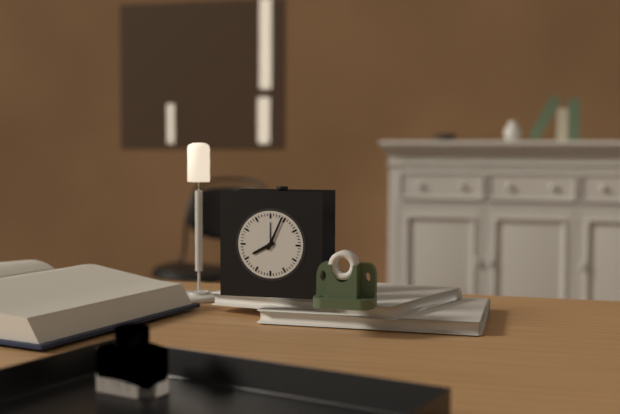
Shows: h=8 m=4
